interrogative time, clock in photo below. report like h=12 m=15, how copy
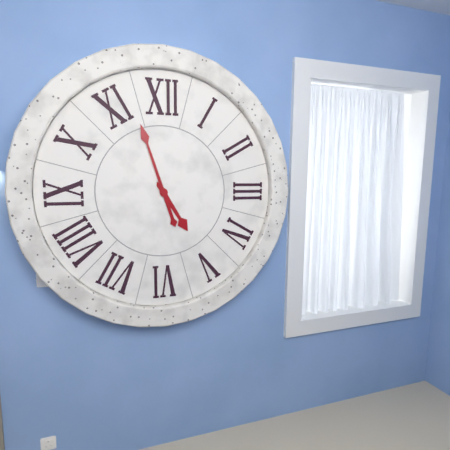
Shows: h=4 m=57
